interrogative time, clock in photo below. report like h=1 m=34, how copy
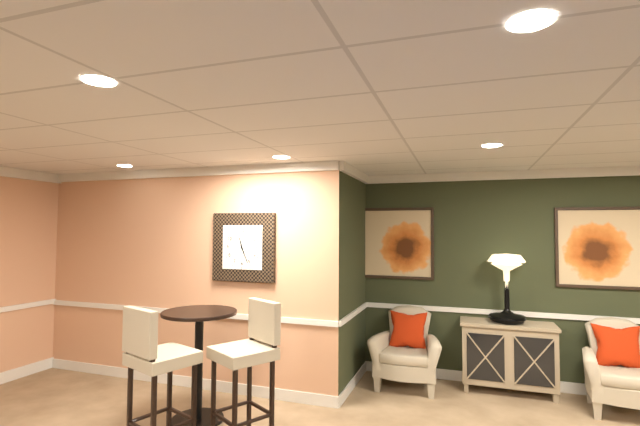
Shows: h=11 m=26
